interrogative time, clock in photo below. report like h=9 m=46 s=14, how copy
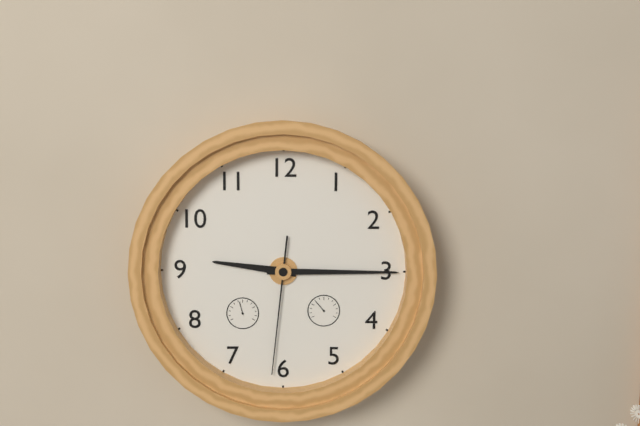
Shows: h=9 m=15 s=31
